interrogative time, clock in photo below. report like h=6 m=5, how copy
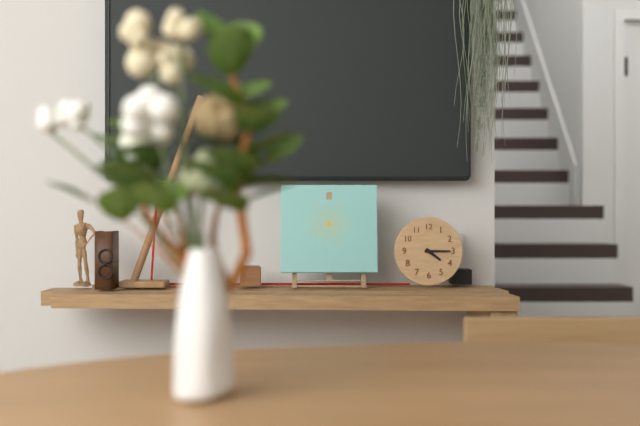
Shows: h=4 m=15
